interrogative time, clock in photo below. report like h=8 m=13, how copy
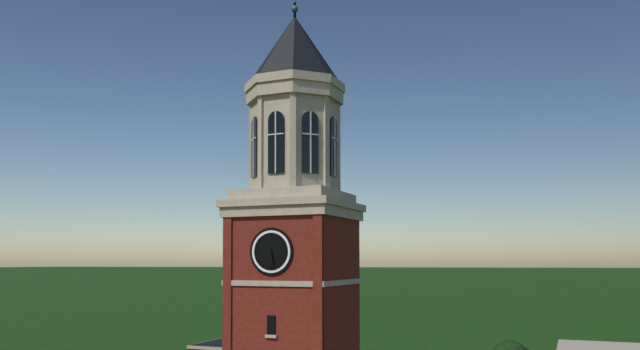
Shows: h=5 m=28
